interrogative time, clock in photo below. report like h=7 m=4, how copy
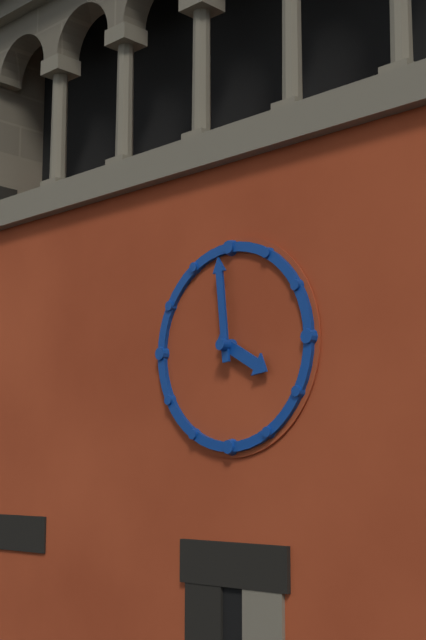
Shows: h=3 m=59
